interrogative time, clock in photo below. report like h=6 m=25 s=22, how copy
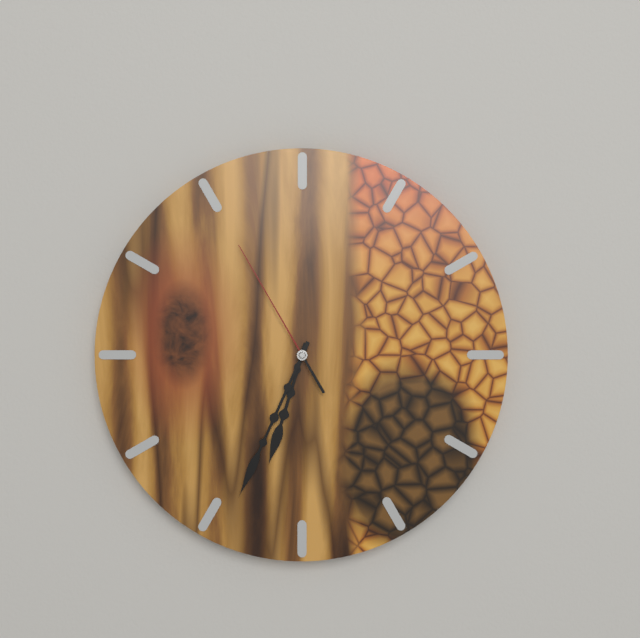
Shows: h=6 m=34 s=55
